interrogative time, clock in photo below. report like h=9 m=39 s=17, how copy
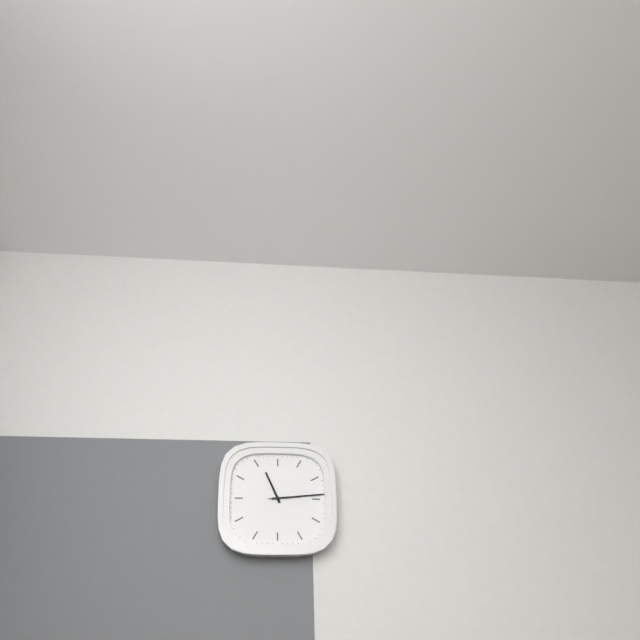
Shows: h=11 m=14 s=14
